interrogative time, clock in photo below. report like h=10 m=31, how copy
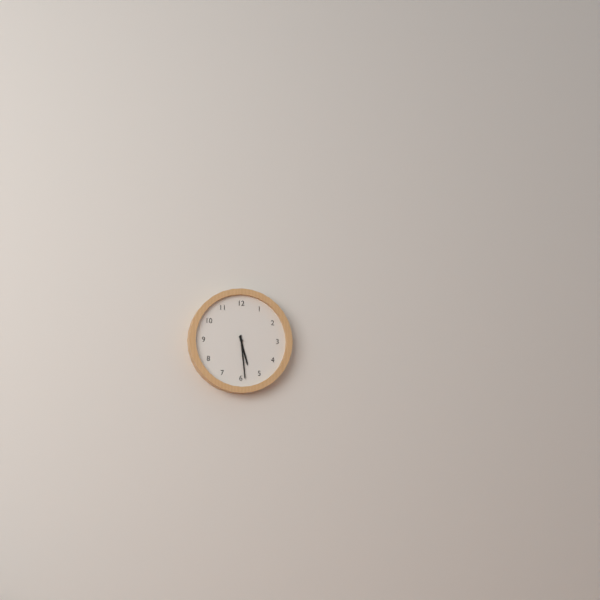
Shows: h=5 m=29
